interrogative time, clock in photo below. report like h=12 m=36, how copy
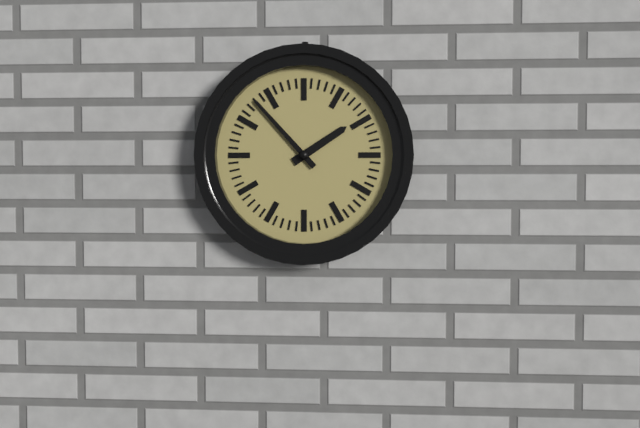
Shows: h=1 m=53
